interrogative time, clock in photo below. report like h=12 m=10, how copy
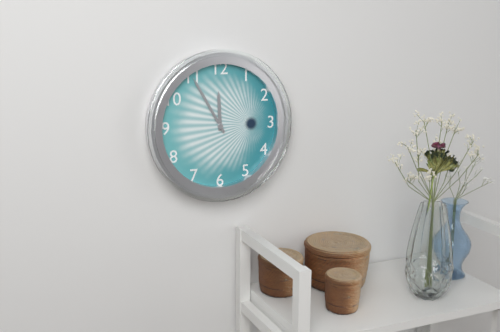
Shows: h=11 m=55
